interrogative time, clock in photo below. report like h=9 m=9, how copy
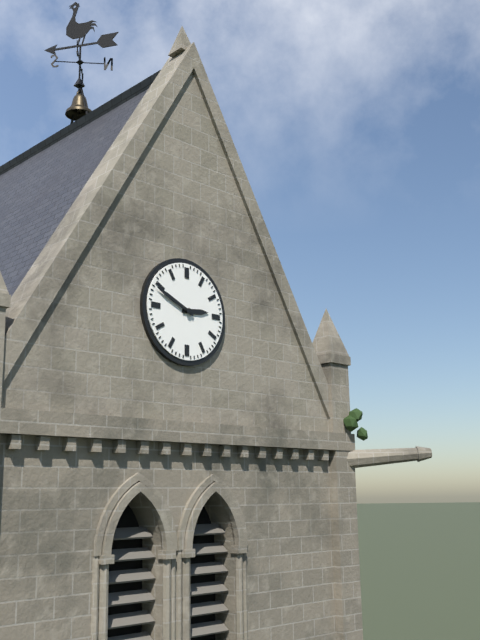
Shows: h=2 m=49
